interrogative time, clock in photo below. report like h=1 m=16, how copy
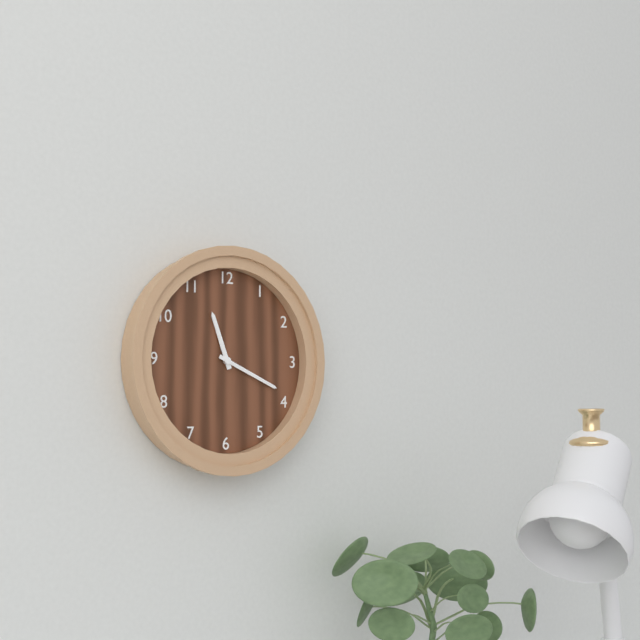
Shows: h=11 m=19
